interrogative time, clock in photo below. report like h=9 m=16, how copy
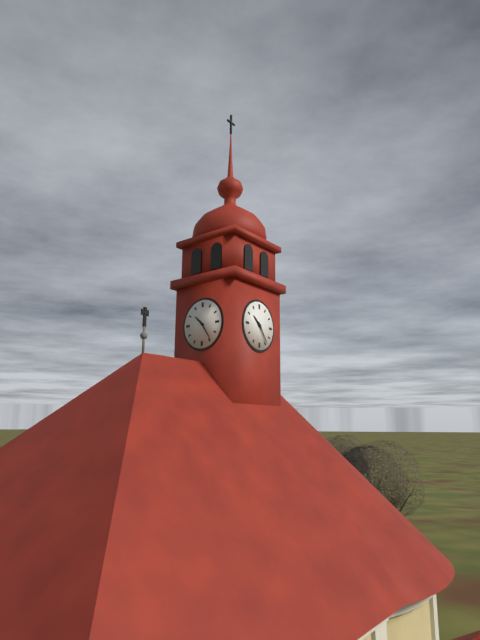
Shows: h=10 m=24
